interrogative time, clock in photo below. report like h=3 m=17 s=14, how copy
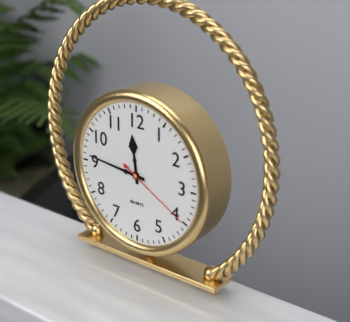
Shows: h=11 m=46 s=20
